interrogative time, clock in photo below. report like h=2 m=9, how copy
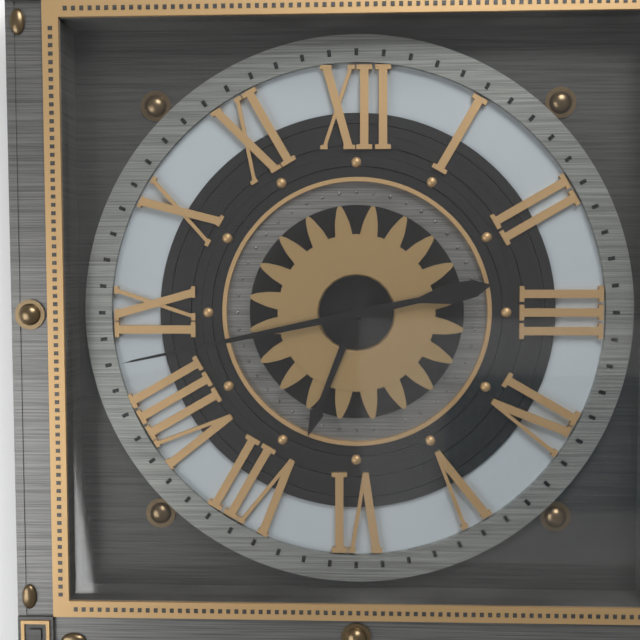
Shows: h=6 m=43
